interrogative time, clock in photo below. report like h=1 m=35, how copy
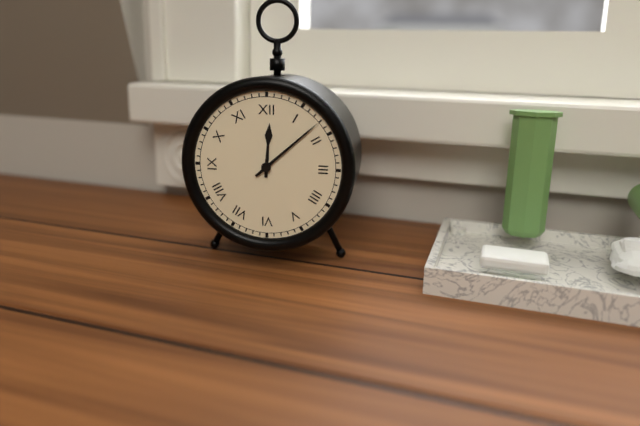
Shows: h=12 m=8
